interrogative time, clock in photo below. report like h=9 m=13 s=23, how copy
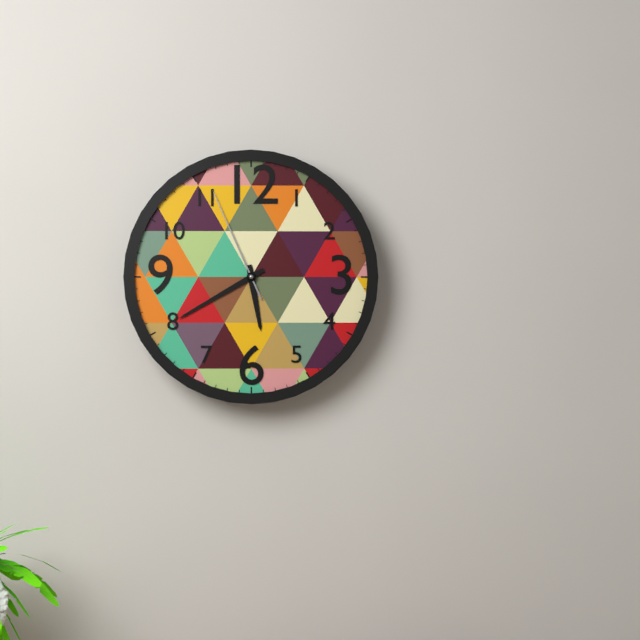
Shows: h=5 m=40 s=56
